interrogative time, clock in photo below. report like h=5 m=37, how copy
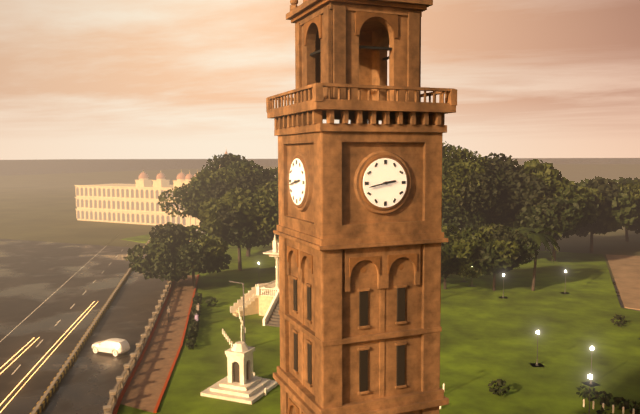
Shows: h=2 m=43
